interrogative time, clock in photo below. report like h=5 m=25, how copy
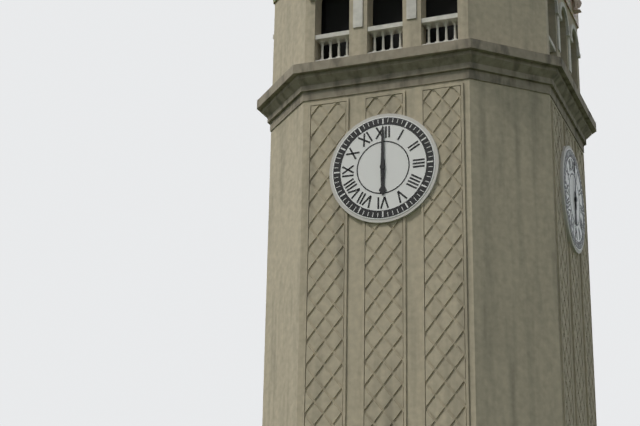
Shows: h=6 m=0
